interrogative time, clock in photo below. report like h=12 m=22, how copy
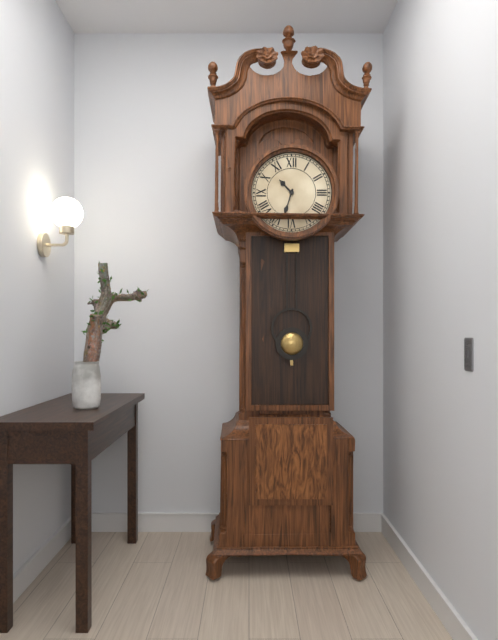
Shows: h=10 m=33
